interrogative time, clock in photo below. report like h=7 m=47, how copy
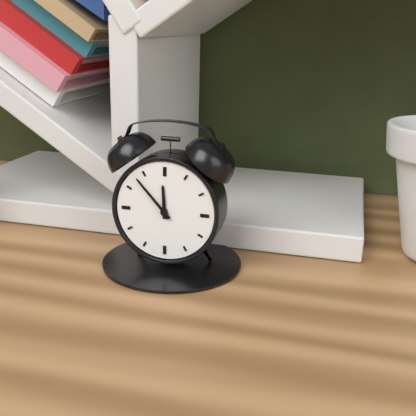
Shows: h=11 m=53
